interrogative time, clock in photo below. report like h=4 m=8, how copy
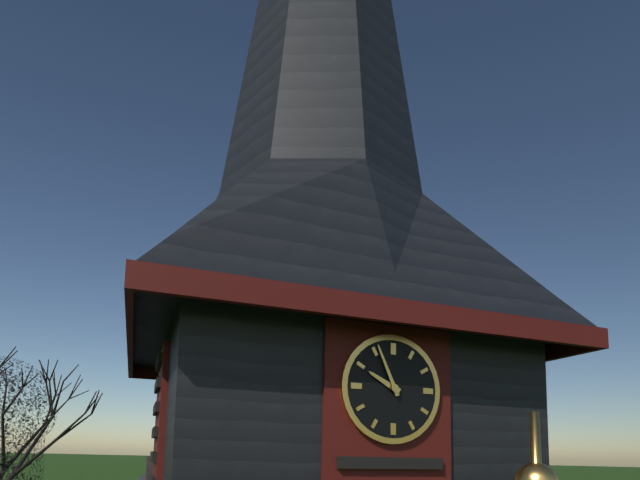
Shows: h=9 m=56
